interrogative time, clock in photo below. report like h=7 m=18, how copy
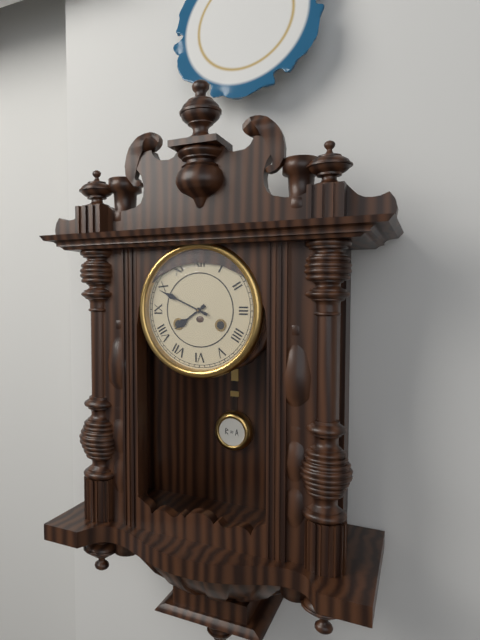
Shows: h=7 m=49
